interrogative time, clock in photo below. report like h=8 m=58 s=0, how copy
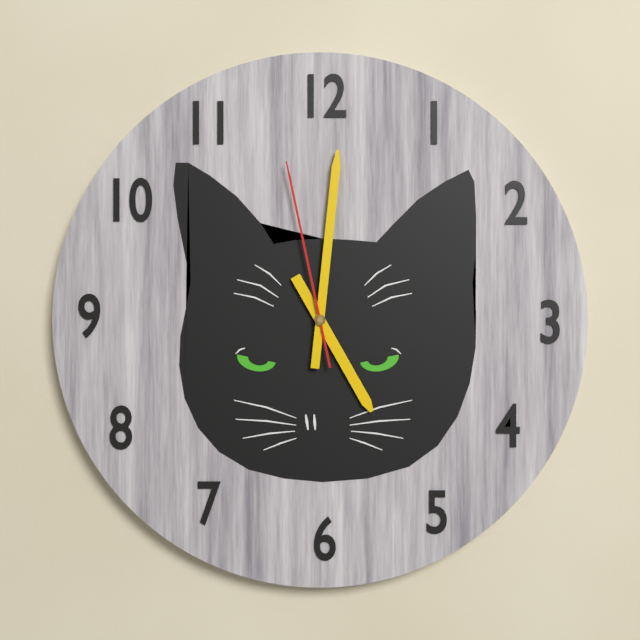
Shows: h=5 m=1 s=58
